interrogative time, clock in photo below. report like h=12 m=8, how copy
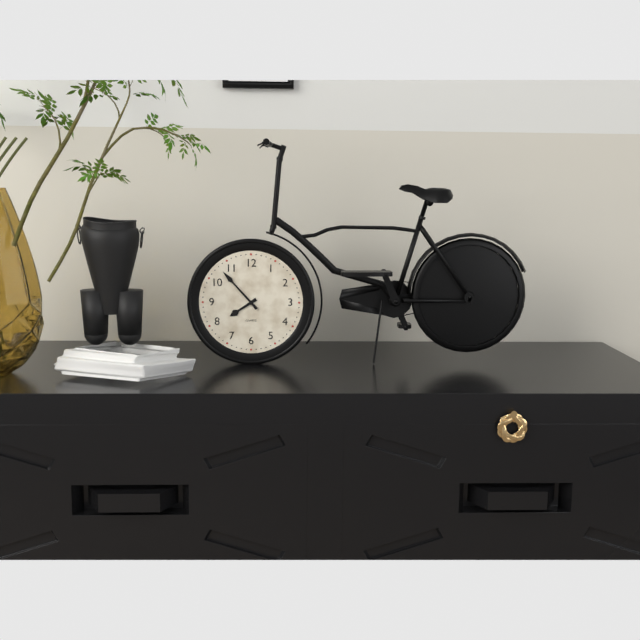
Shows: h=7 m=53
